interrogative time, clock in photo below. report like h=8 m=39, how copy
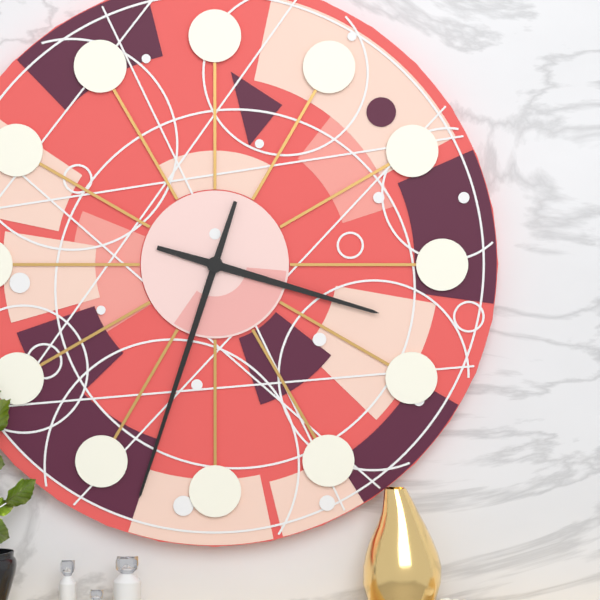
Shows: h=3 m=33
